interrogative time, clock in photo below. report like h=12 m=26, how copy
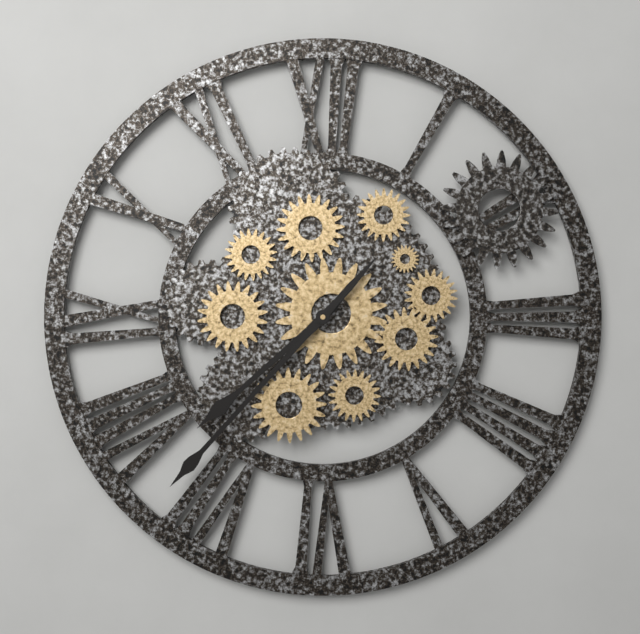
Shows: h=7 m=37
